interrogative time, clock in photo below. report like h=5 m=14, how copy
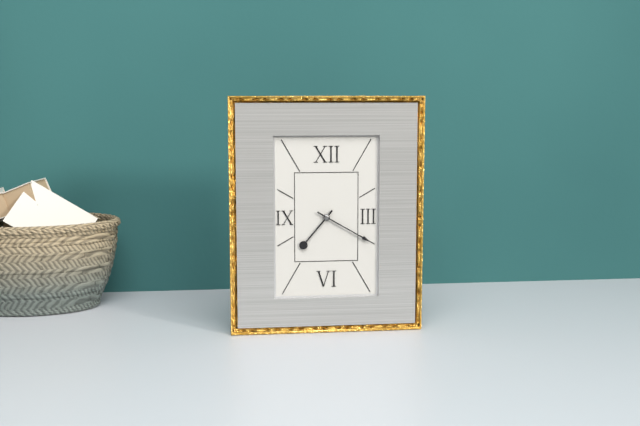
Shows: h=7 m=20
